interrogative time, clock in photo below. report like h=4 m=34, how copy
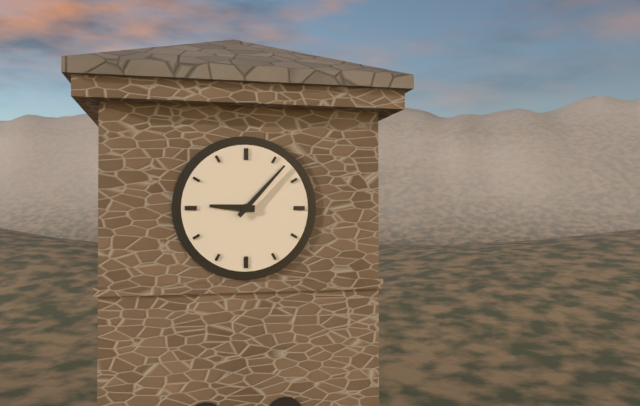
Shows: h=9 m=7
